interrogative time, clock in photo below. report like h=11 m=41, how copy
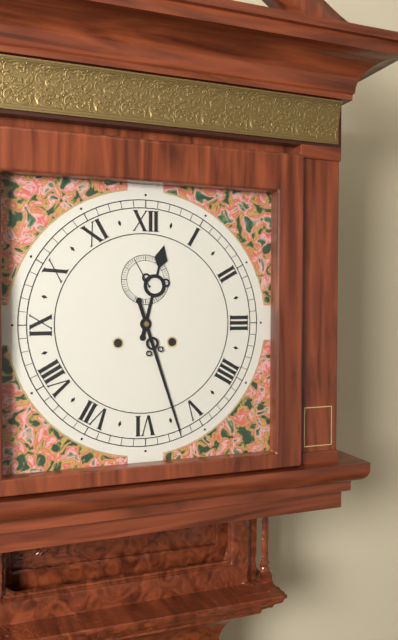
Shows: h=12 m=27
